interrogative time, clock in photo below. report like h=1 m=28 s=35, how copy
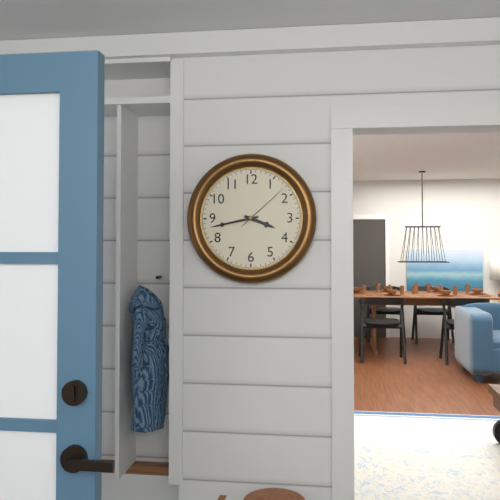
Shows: h=3 m=43 s=8
